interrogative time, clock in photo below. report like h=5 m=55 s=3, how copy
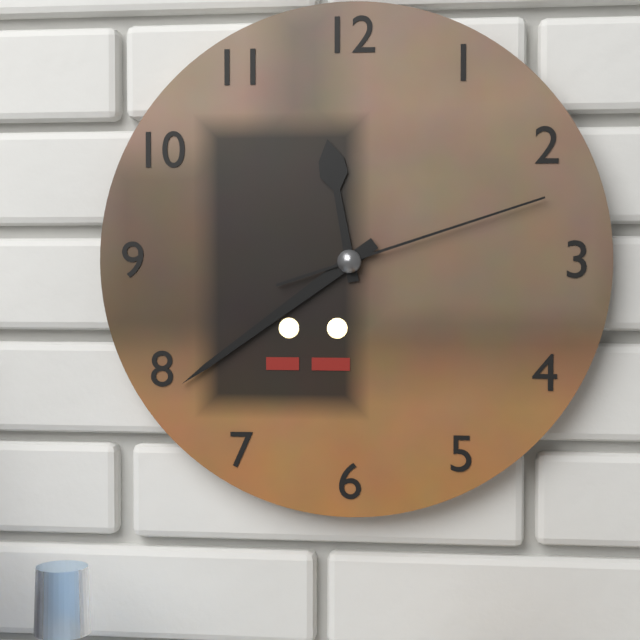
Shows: h=11 m=39 s=12
